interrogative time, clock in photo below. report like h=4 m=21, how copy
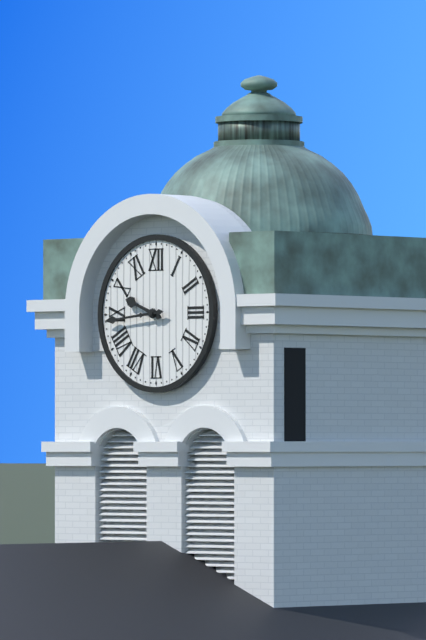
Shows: h=9 m=44
